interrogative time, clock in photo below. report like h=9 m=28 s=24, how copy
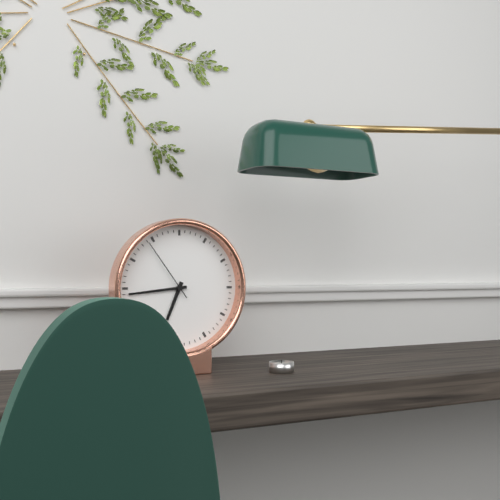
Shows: h=6 m=44 s=54
